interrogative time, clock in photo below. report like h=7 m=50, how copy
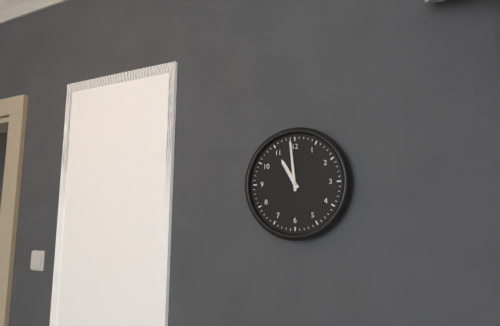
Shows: h=10 m=59
